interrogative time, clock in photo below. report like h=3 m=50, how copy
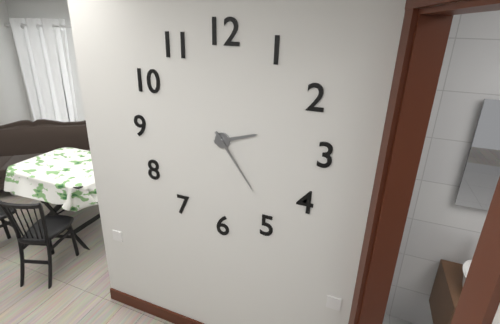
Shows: h=2 m=24
